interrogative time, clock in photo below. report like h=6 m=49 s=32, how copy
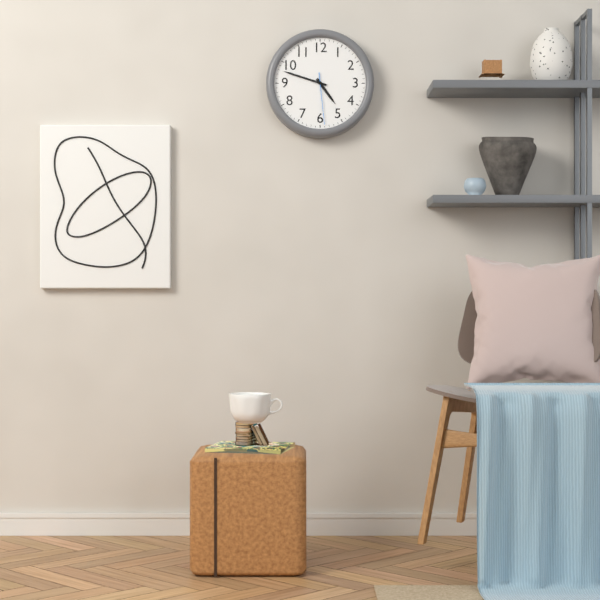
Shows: h=4 m=48 s=29
